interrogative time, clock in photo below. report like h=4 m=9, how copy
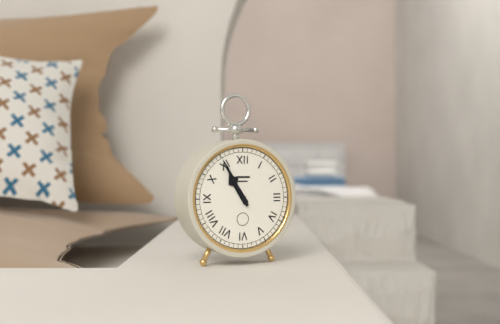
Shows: h=10 m=55
